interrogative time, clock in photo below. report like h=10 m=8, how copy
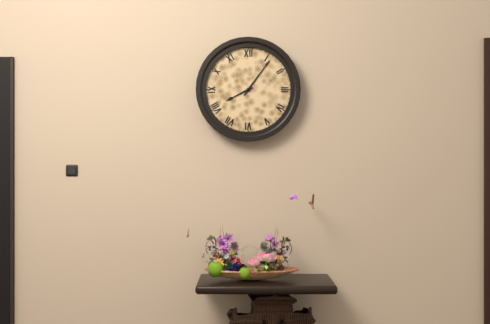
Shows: h=8 m=6
